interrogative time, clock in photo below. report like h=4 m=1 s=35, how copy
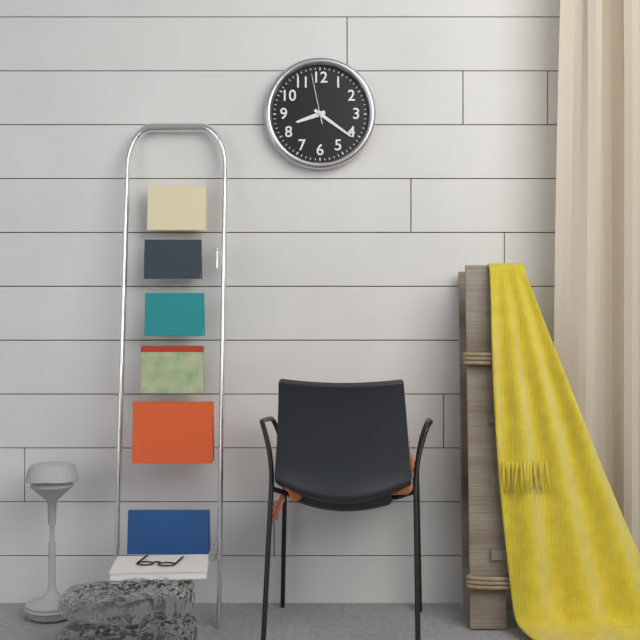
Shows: h=8 m=21 s=58
